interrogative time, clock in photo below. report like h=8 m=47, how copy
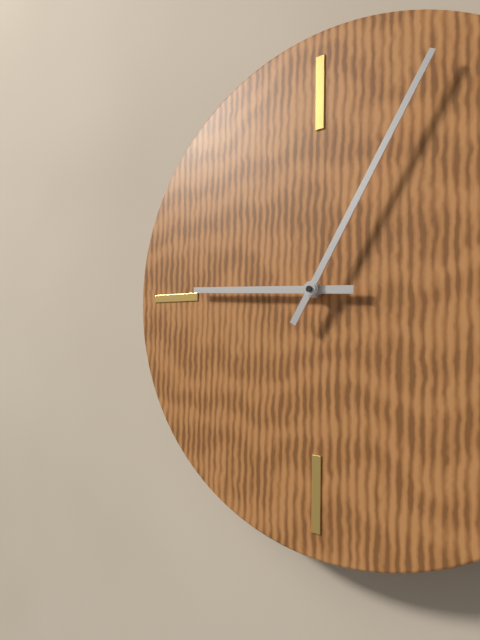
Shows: h=9 m=5
